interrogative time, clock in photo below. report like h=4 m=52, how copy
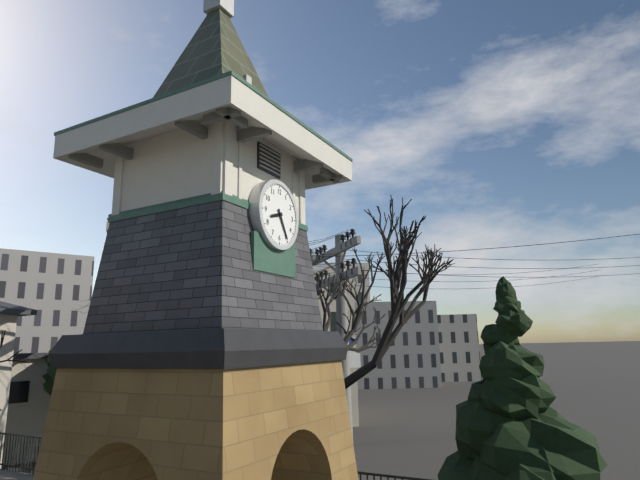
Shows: h=8 m=25
